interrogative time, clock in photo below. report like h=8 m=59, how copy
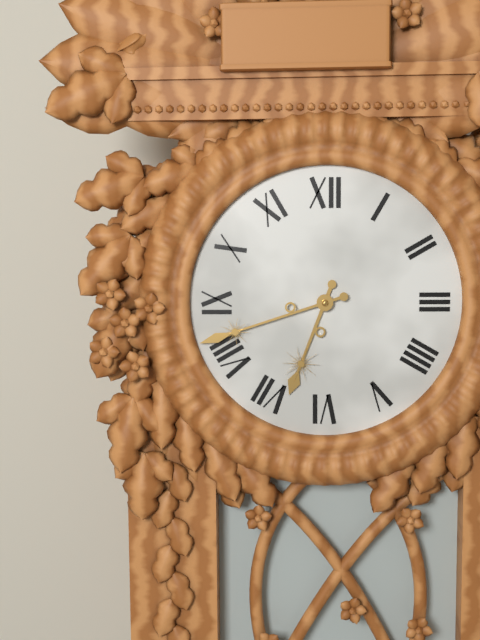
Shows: h=6 m=42
